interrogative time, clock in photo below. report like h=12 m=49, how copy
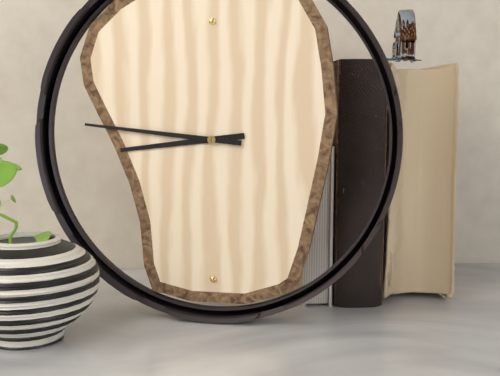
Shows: h=8 m=46
